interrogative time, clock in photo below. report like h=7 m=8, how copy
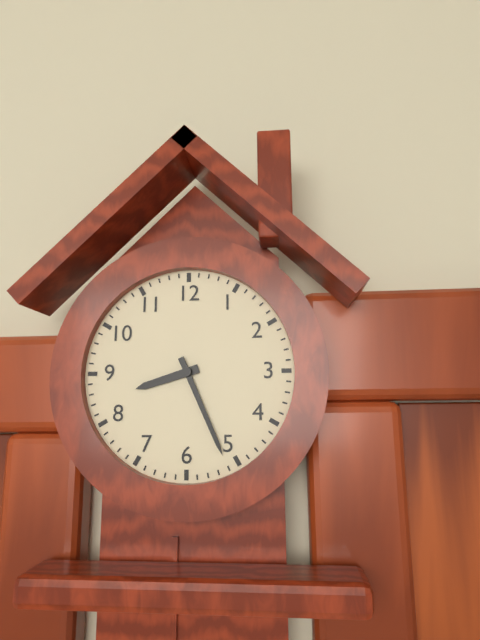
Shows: h=8 m=26
